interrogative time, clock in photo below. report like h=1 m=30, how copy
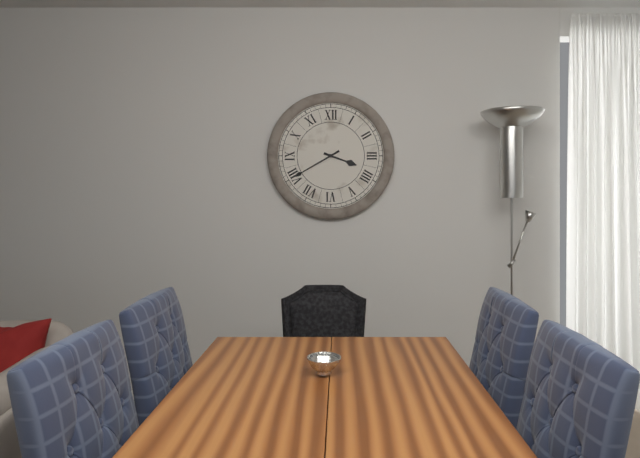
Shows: h=3 m=40
